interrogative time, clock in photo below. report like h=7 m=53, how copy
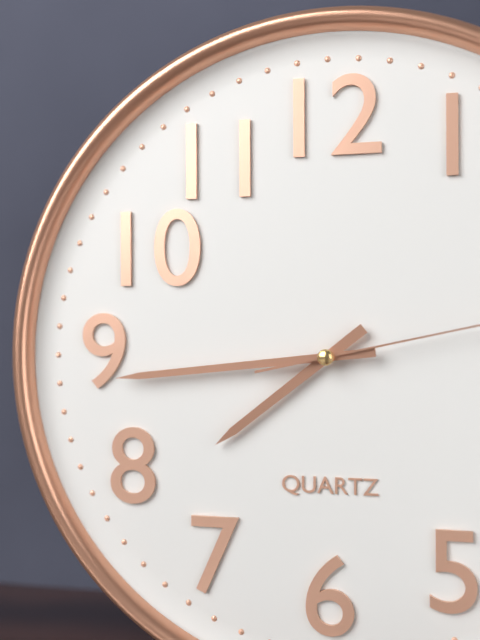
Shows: h=7 m=44
